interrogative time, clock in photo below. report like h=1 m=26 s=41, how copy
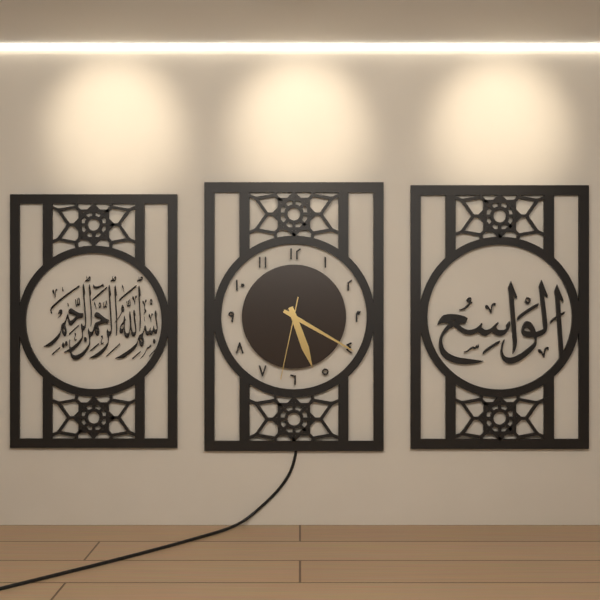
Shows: h=5 m=20 s=32
